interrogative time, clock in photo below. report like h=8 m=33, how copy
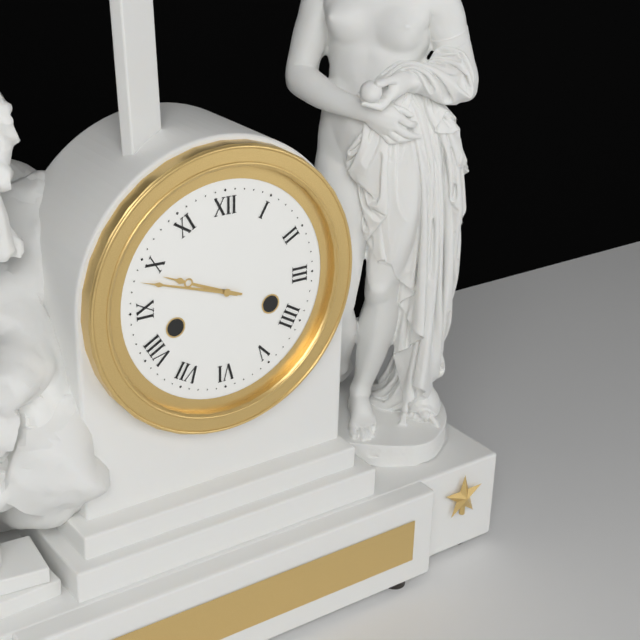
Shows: h=9 m=48
